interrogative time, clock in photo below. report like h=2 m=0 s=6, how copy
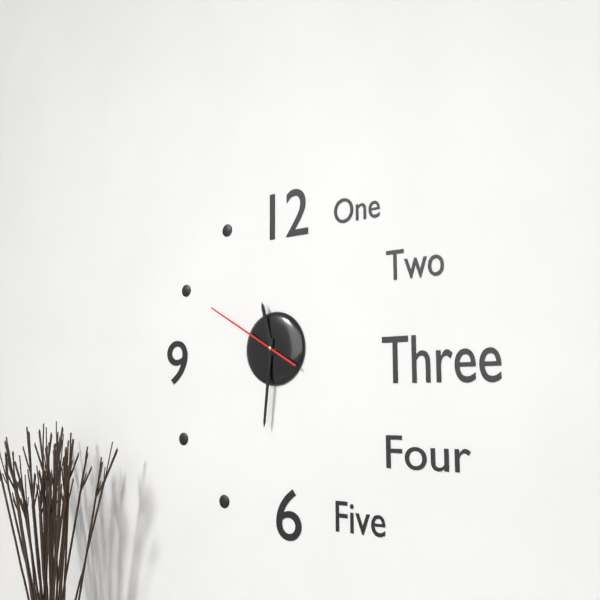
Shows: h=11 m=31 s=50
